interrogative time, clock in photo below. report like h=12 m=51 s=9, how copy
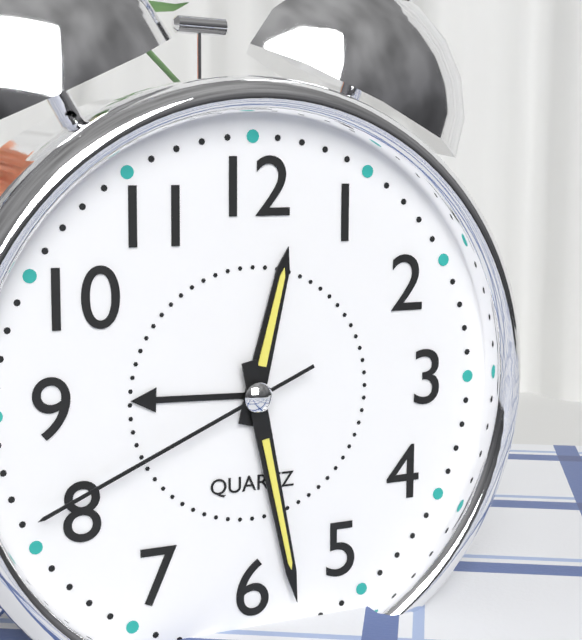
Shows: h=12 m=28 s=41
